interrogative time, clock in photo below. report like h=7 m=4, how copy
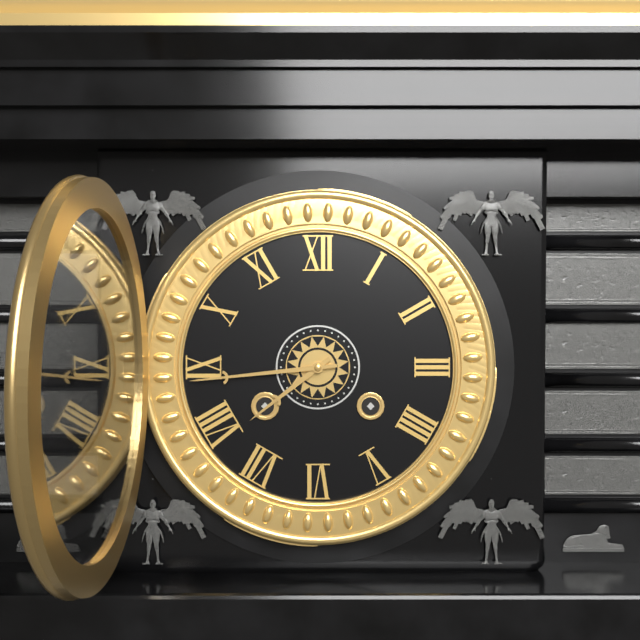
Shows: h=7 m=44
